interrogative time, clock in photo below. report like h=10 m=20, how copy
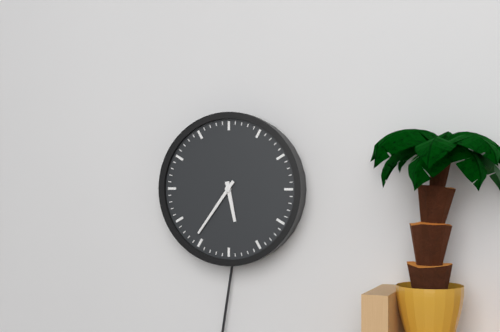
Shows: h=5 m=36
